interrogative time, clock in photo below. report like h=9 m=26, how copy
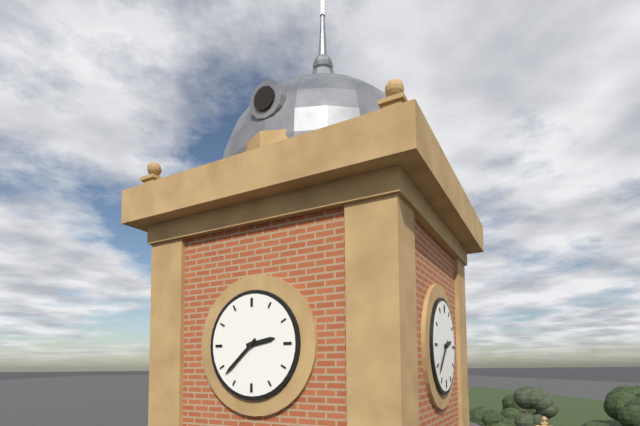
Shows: h=2 m=38
